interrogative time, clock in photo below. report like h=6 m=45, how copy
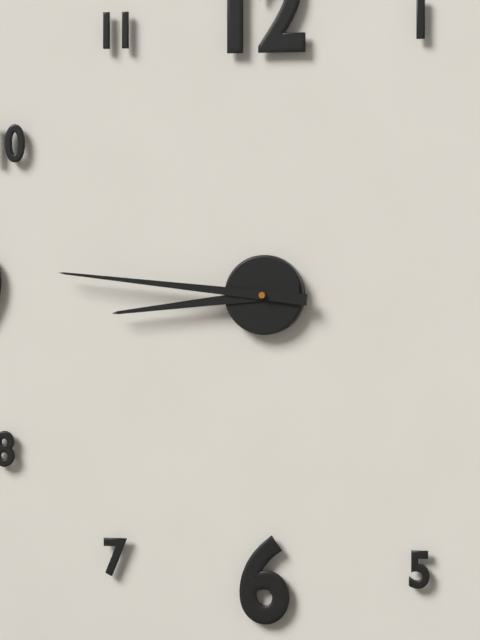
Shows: h=8 m=46
